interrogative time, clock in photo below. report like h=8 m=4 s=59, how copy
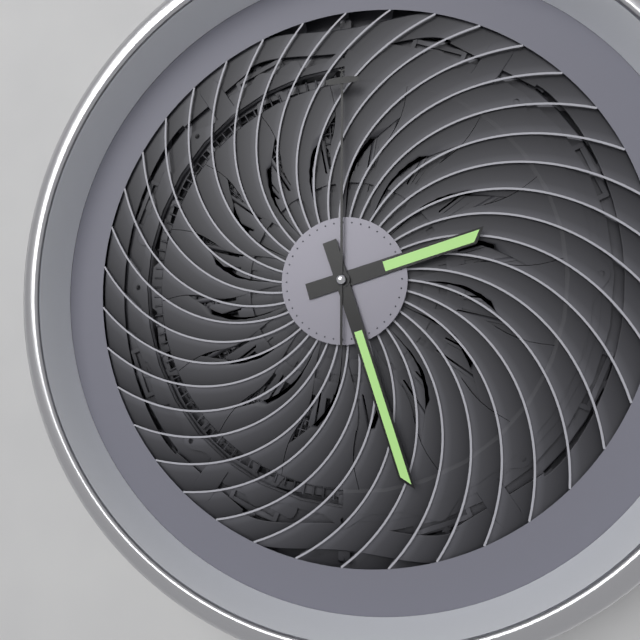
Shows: h=2 m=27 s=0
